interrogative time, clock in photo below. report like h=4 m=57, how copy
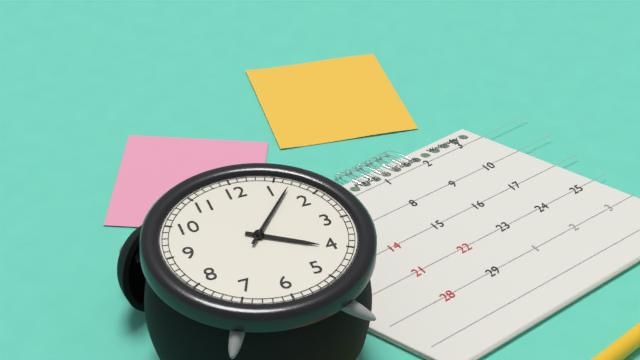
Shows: h=4 m=7
